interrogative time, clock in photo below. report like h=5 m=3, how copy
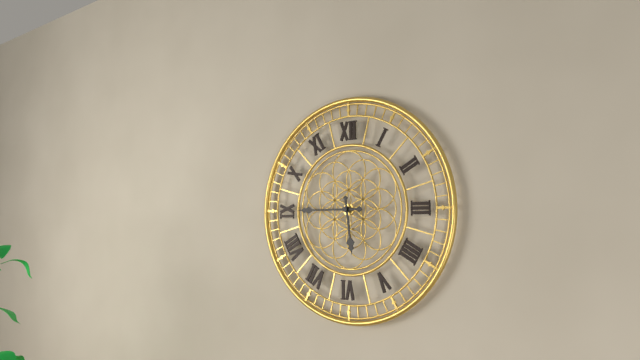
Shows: h=5 m=45
